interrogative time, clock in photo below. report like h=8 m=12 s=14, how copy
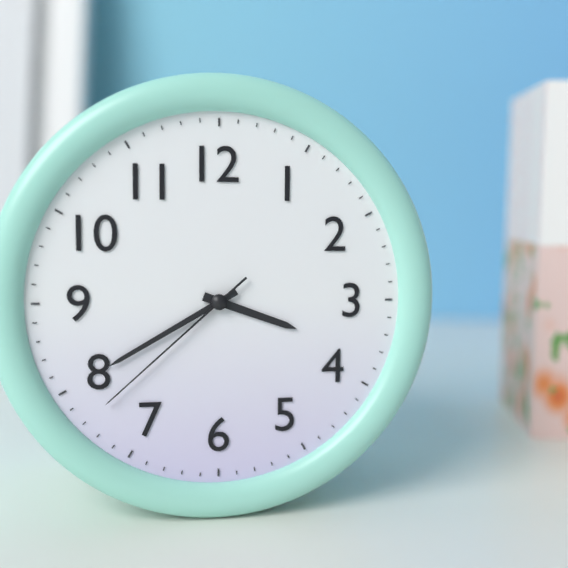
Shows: h=3 m=40 s=38
